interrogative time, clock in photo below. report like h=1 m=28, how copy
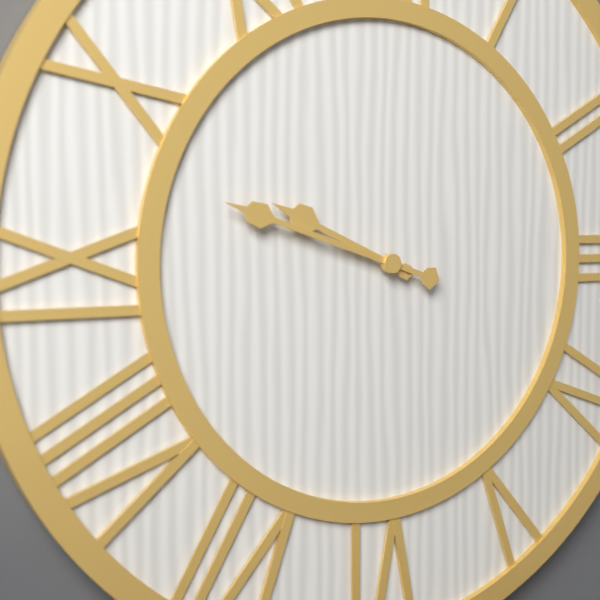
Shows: h=9 m=48
